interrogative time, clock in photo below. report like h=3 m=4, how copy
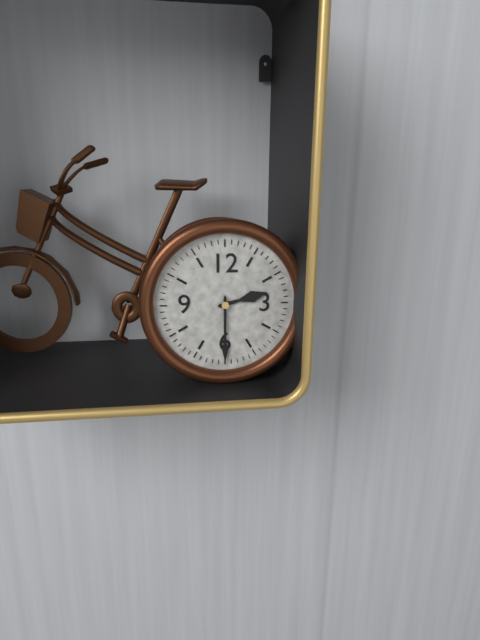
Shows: h=2 m=30
